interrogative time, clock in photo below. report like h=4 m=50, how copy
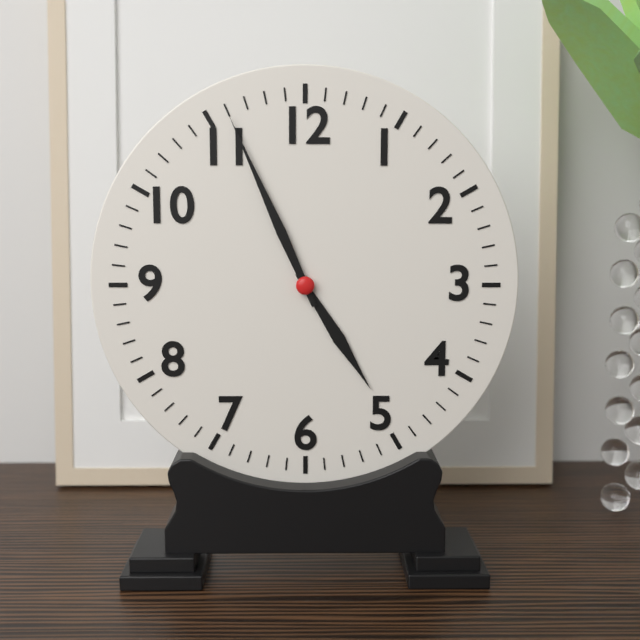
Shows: h=4 m=56
